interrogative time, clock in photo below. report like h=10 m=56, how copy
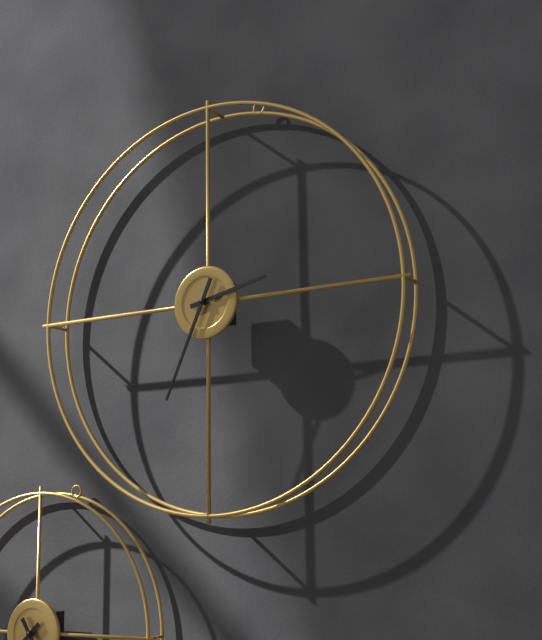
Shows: h=2 m=34
